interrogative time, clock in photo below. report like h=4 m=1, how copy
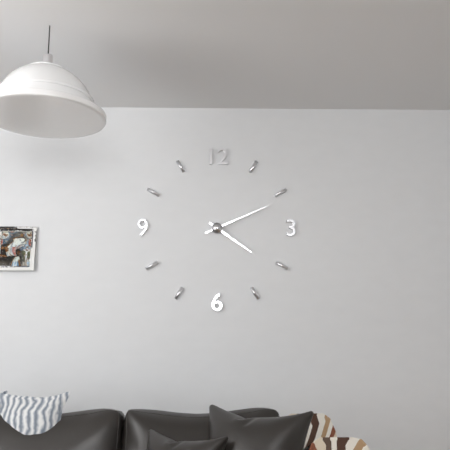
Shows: h=4 m=11
